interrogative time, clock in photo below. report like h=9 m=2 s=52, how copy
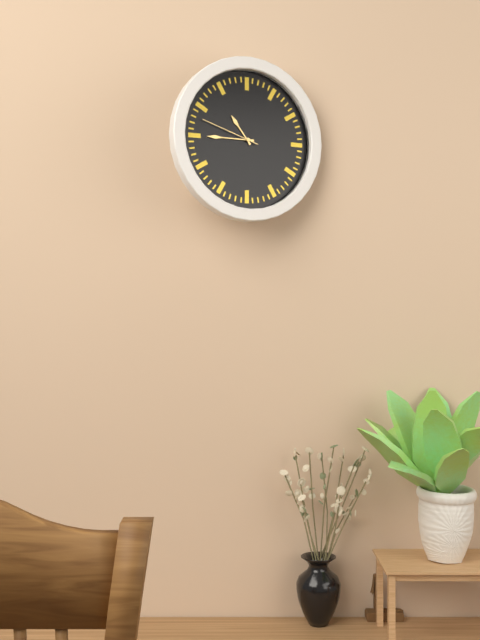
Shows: h=10 m=45 s=48
